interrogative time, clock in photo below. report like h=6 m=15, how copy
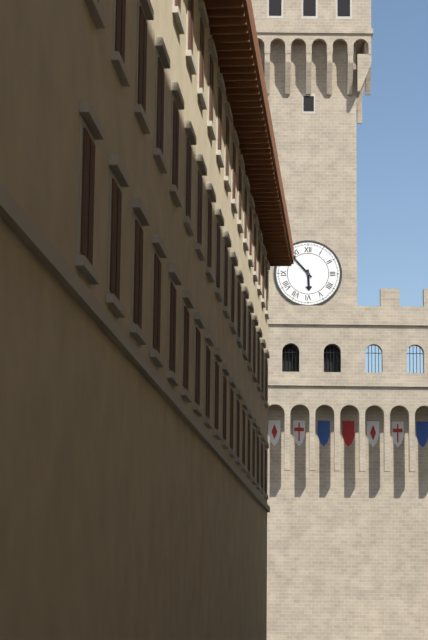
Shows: h=5 m=53
